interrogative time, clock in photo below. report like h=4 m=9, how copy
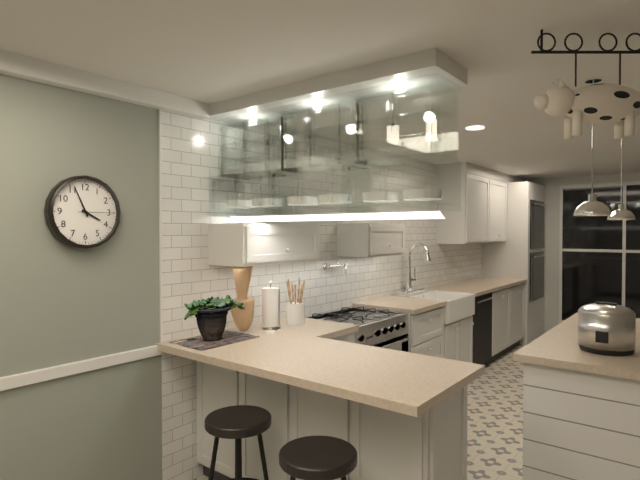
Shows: h=3 m=56
